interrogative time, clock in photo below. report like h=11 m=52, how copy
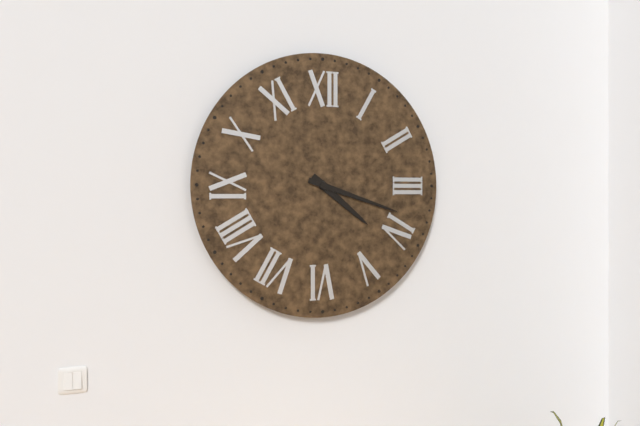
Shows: h=4 m=18
